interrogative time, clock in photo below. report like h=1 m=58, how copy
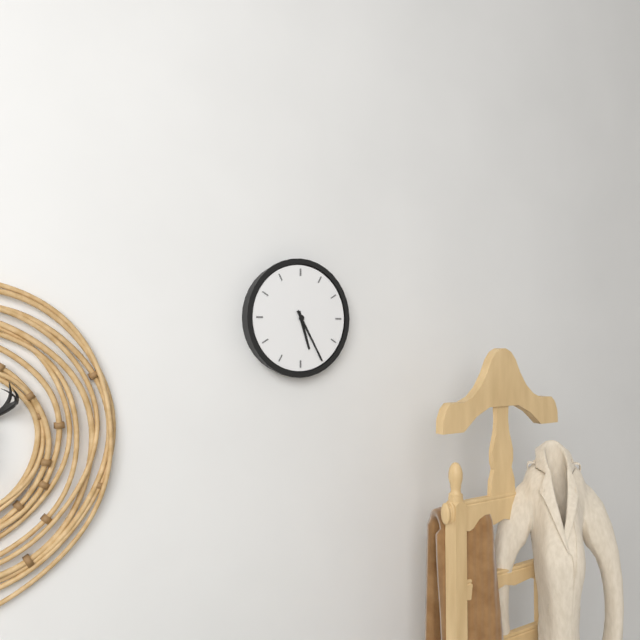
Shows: h=5 m=25
